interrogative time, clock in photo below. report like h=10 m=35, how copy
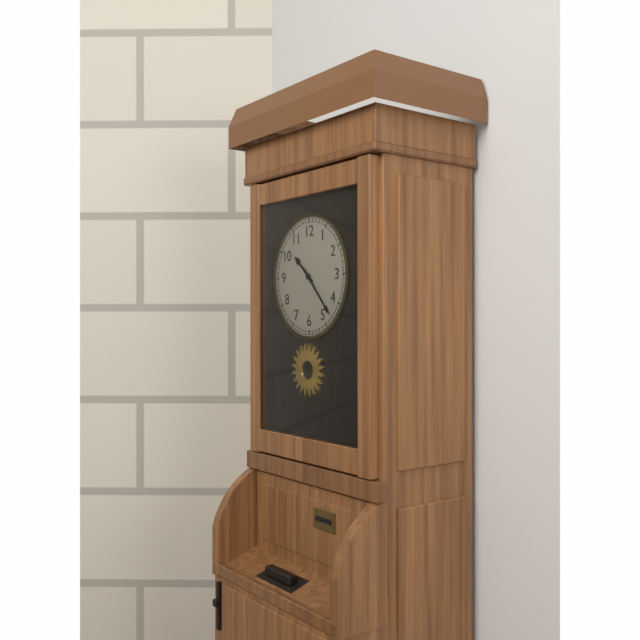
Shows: h=10 m=23
